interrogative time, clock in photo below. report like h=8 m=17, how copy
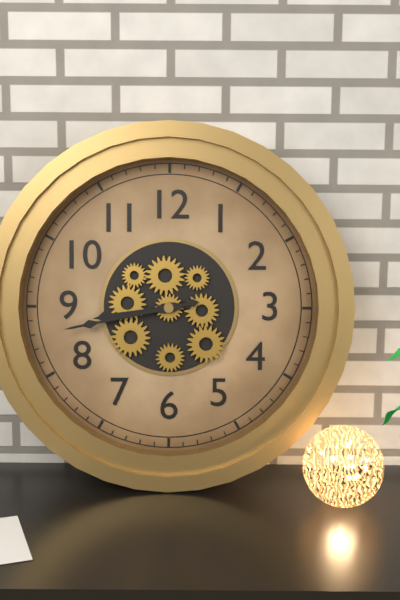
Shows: h=8 m=43
